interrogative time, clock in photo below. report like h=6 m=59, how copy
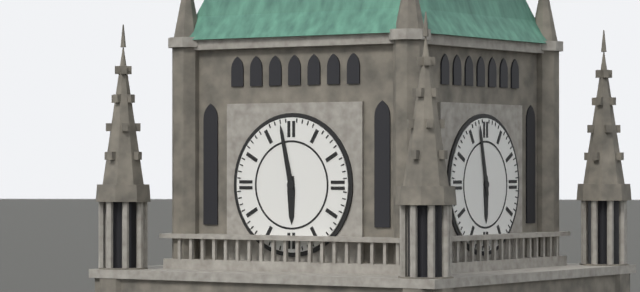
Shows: h=5 m=58
